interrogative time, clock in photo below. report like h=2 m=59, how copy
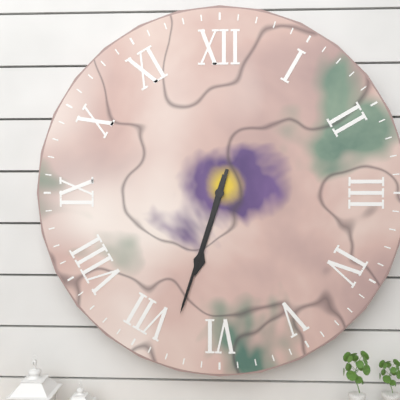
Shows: h=6 m=33
